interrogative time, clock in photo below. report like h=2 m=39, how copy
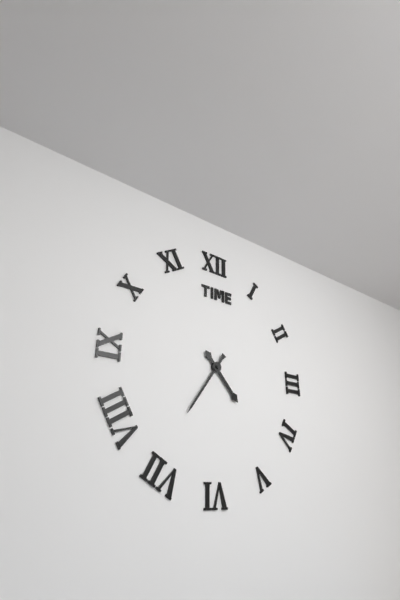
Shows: h=4 m=36
